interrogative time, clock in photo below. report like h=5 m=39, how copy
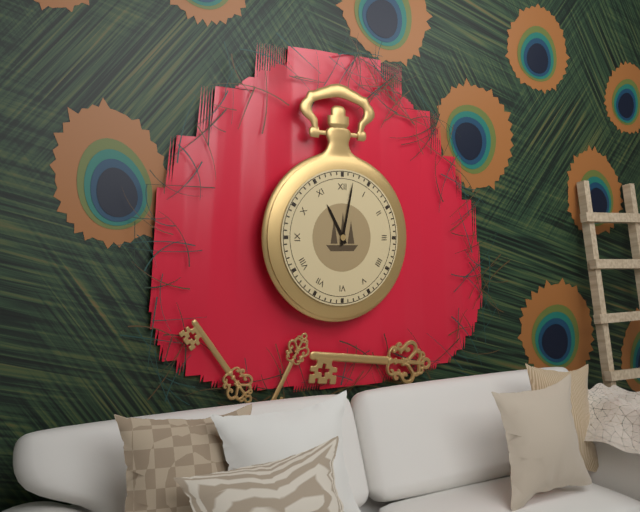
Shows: h=11 m=2
